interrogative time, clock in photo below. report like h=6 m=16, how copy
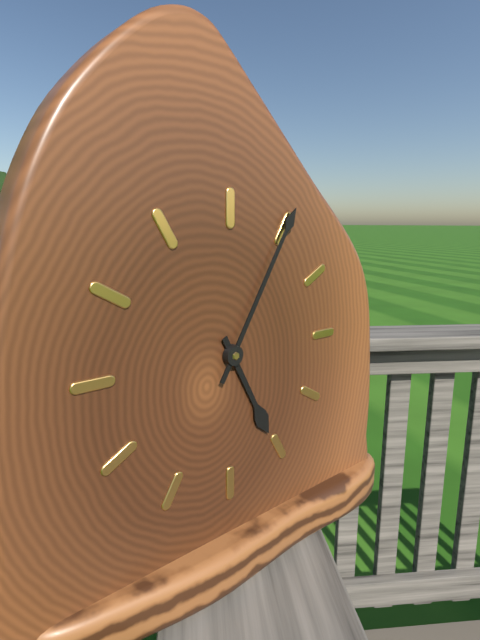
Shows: h=5 m=5
